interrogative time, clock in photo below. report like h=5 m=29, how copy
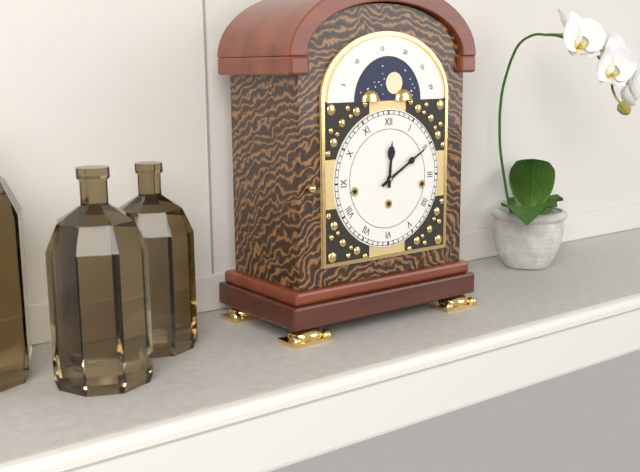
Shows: h=12 m=10
